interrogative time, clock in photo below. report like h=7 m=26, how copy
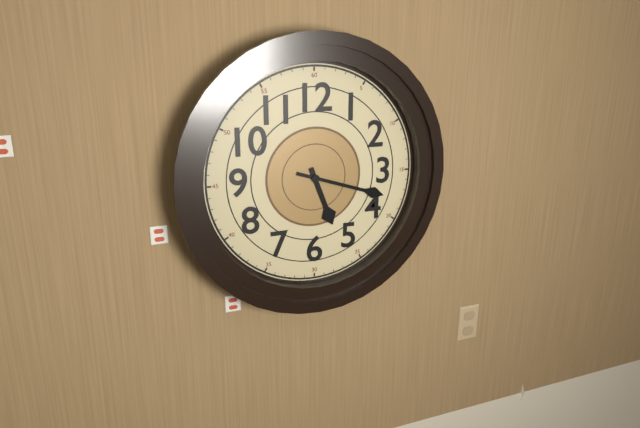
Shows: h=5 m=18
